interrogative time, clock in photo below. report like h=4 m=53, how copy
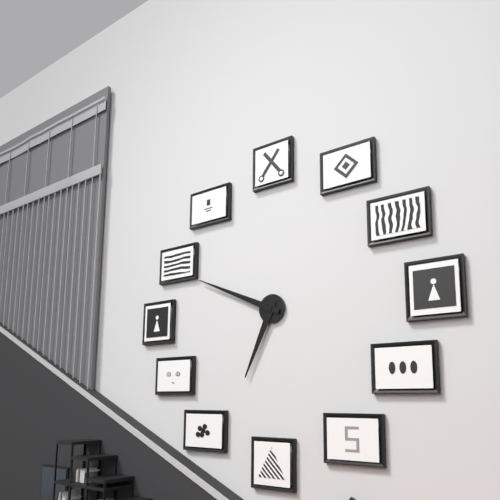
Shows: h=6 m=49
